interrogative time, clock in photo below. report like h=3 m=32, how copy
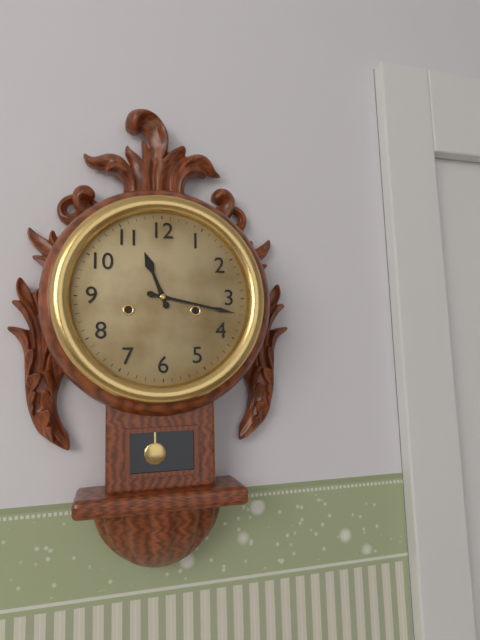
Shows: h=11 m=17
